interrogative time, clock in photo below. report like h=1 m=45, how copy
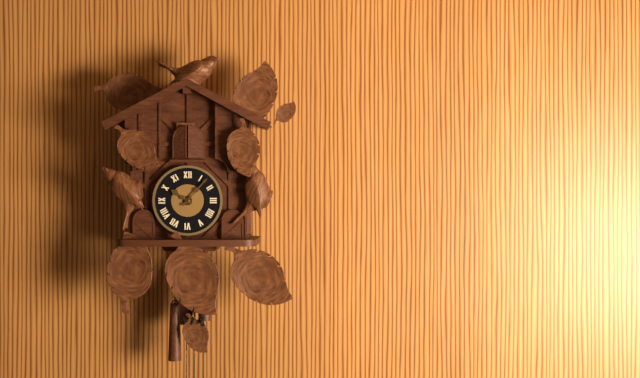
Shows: h=10 m=7
